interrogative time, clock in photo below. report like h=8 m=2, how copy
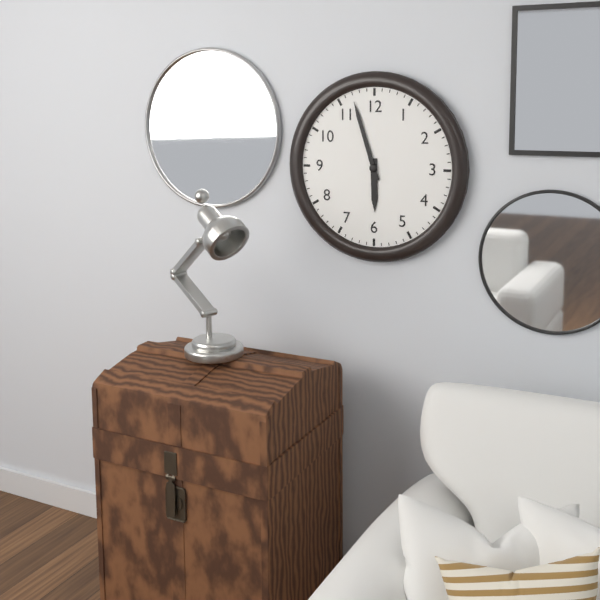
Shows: h=5 m=57
